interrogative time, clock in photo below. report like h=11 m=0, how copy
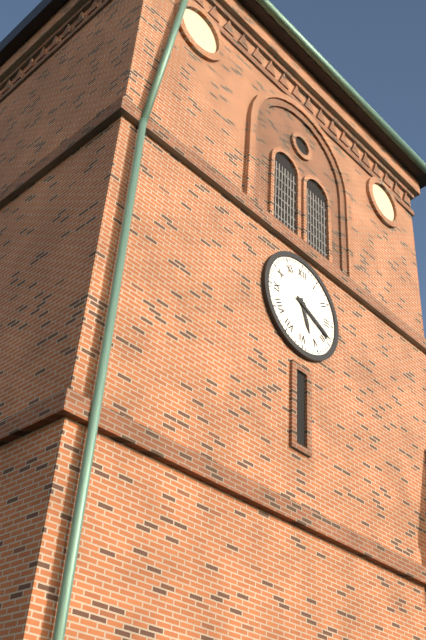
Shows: h=5 m=19
